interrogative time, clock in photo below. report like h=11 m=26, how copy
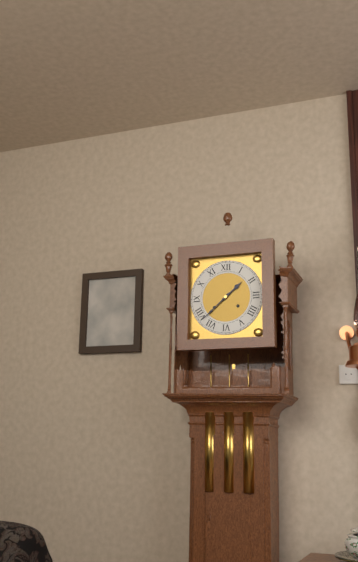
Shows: h=1 m=38
